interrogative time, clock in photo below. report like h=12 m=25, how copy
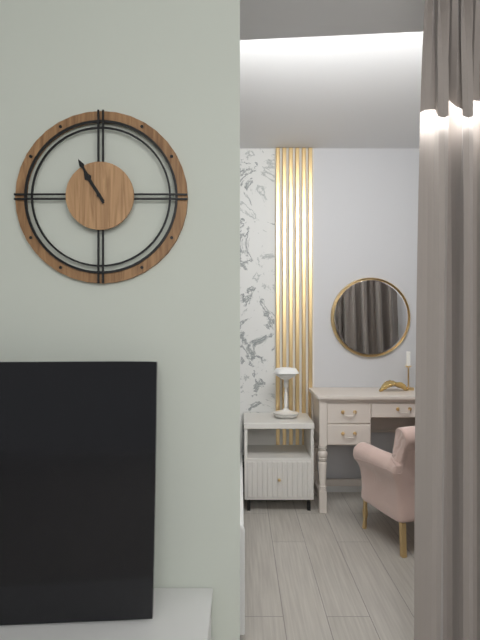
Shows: h=10 m=55
